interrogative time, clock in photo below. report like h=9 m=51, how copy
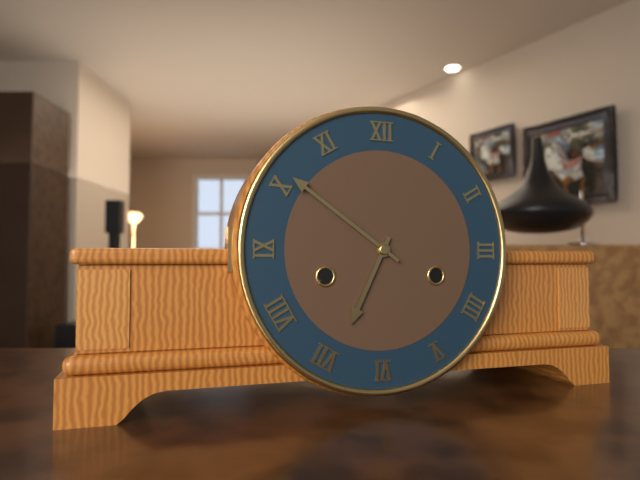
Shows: h=6 m=51
